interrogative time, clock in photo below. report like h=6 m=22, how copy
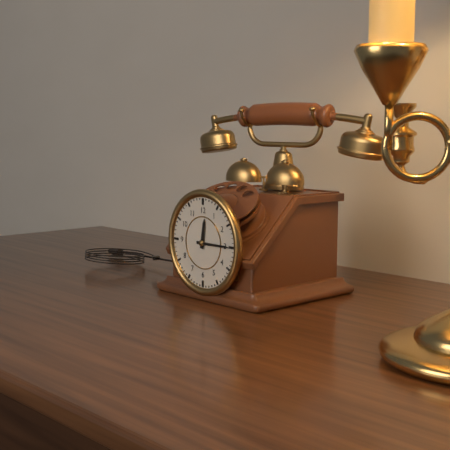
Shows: h=12 m=15
